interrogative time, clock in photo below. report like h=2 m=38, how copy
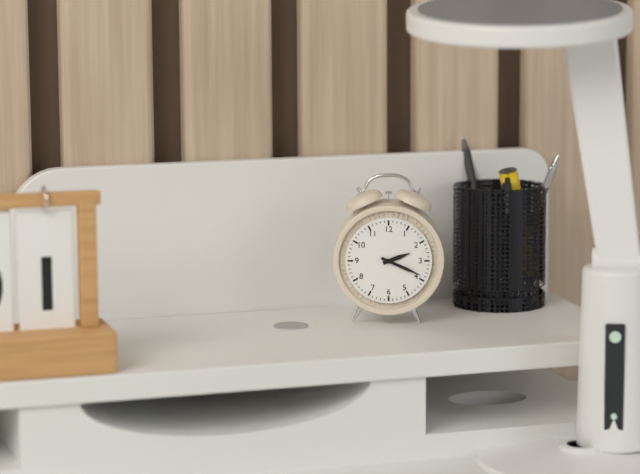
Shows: h=2 m=19
